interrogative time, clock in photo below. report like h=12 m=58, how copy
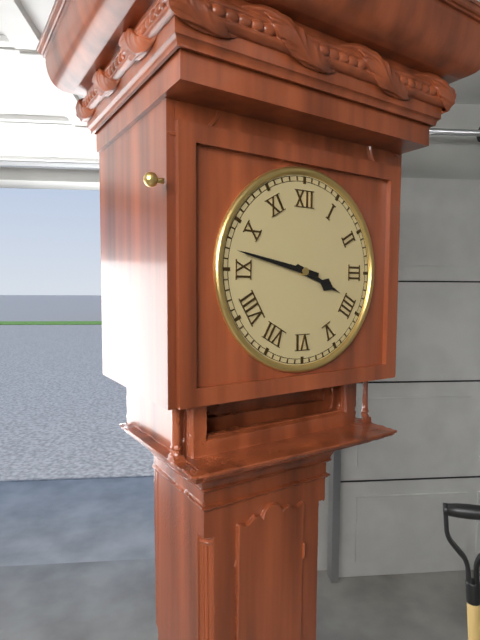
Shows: h=3 m=47
